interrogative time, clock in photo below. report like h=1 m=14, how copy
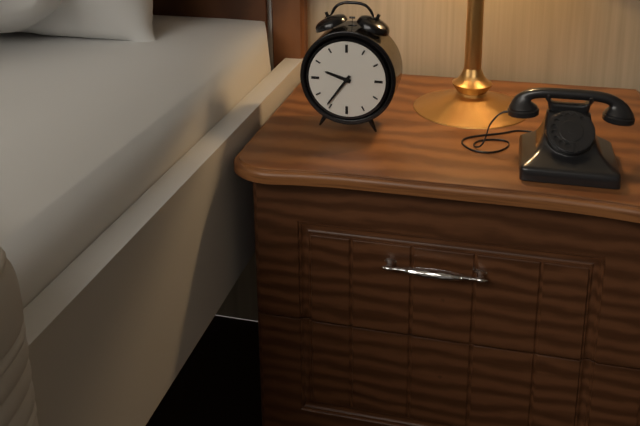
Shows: h=9 m=36
